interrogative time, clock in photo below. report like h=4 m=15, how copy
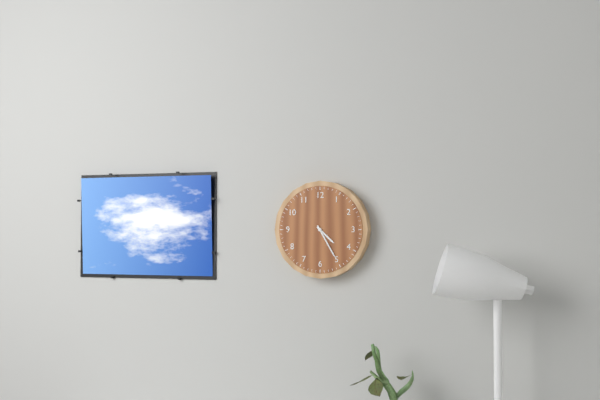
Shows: h=4 m=25
